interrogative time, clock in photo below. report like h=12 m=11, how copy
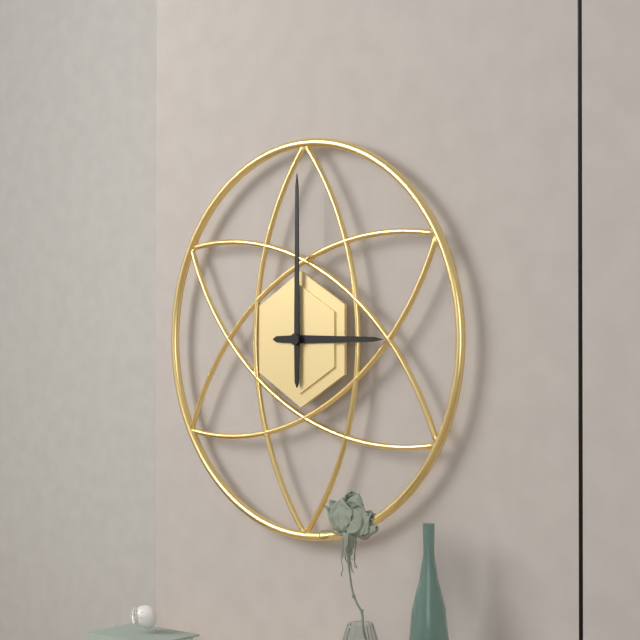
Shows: h=3 m=0
